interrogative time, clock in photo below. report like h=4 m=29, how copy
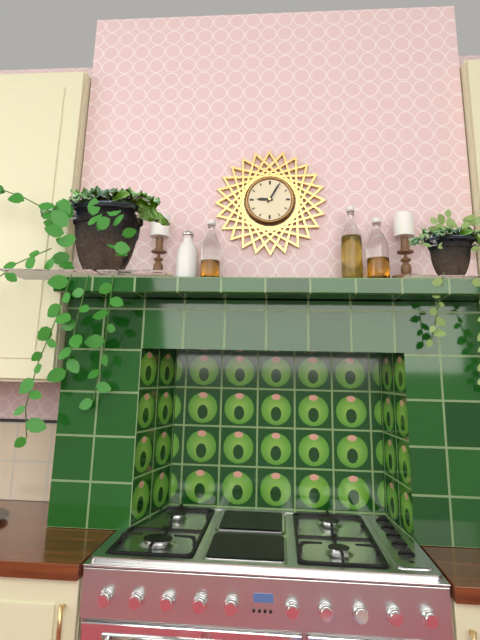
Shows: h=9 m=5
